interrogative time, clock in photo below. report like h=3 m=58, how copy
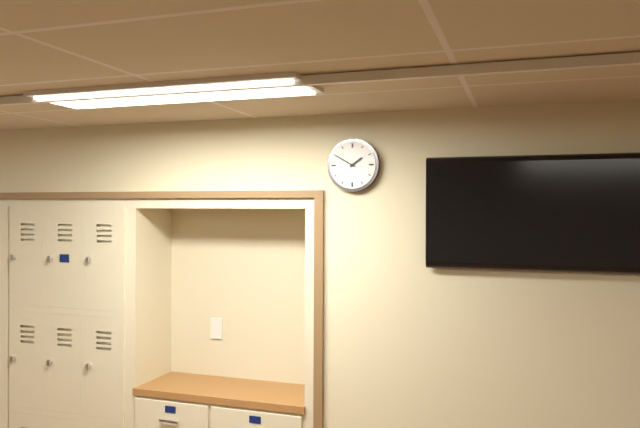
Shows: h=1 m=50
